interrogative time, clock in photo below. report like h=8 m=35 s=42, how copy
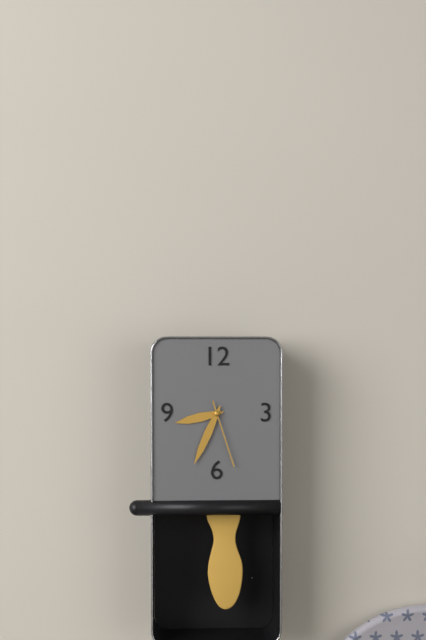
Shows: h=8 m=34 s=27
